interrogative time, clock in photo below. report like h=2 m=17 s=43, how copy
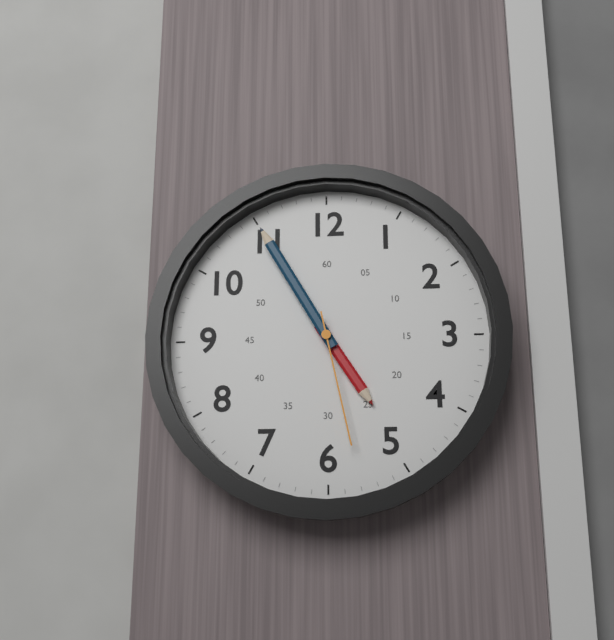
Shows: h=4 m=55 s=28
